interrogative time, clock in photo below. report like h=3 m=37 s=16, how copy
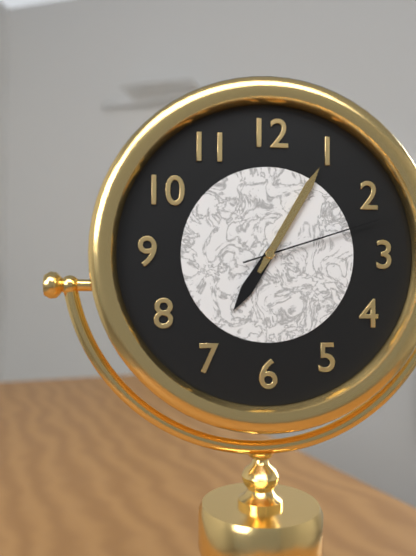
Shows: h=7 m=5 s=12
